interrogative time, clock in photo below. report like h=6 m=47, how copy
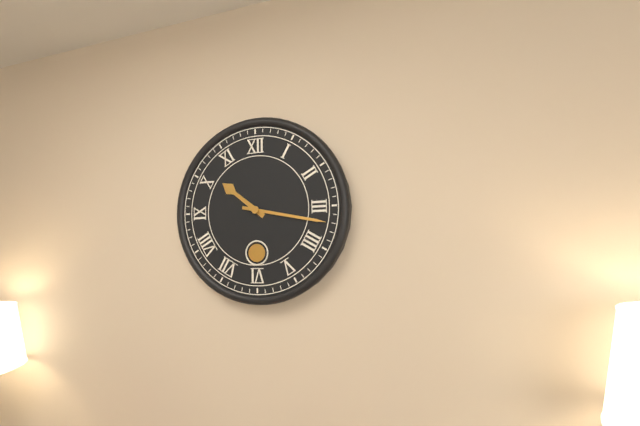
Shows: h=10 m=17
